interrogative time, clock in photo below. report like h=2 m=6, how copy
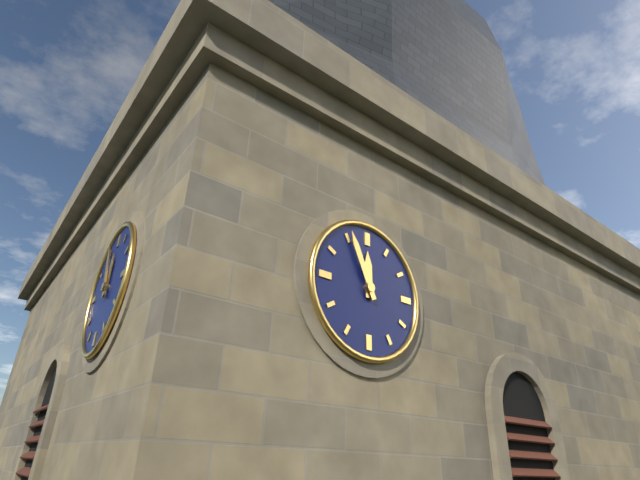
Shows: h=11 m=56
